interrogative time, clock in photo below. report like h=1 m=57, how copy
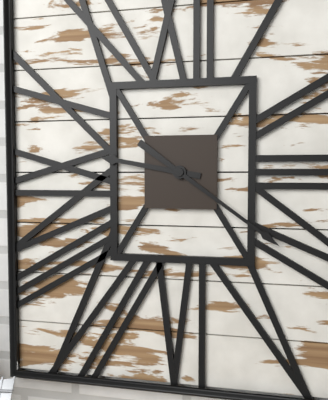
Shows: h=9 m=21
